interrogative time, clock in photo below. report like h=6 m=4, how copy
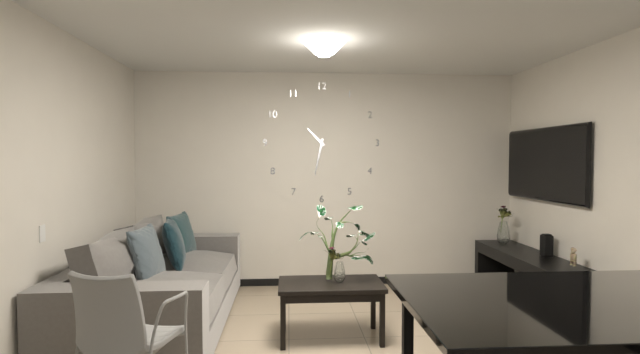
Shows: h=10 m=32
